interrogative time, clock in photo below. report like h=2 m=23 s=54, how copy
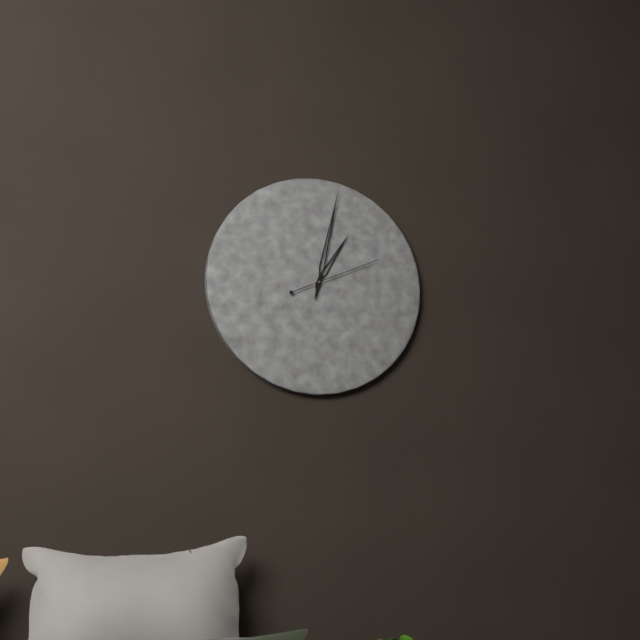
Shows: h=1 m=2 s=11
